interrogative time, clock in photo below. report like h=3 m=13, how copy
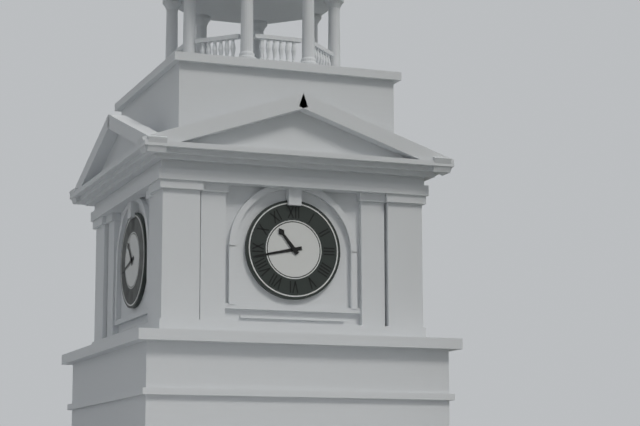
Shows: h=10 m=43
